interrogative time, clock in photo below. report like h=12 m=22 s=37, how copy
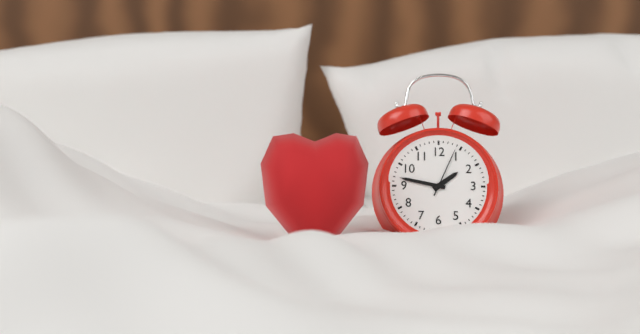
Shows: h=1 m=47 s=4
